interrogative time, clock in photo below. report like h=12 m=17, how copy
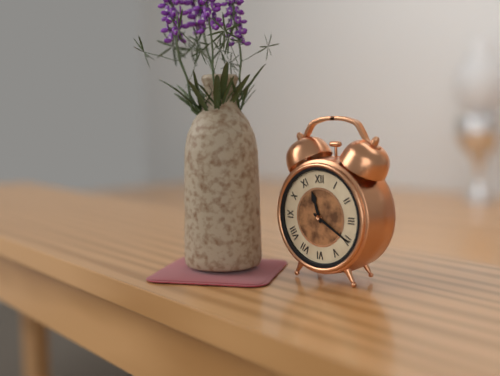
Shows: h=11 m=20
